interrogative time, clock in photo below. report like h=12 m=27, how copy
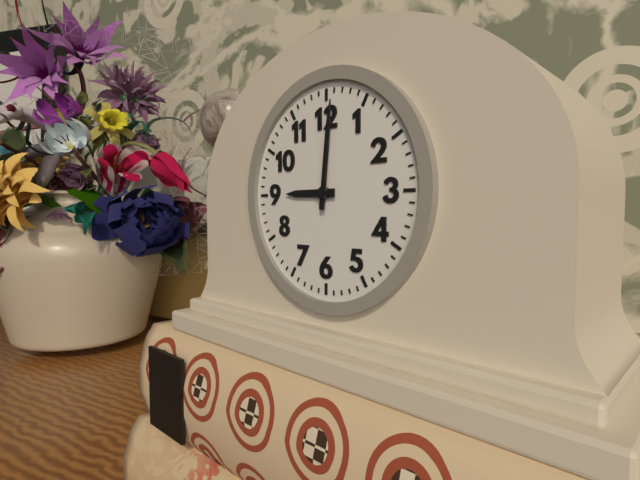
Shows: h=9 m=1
